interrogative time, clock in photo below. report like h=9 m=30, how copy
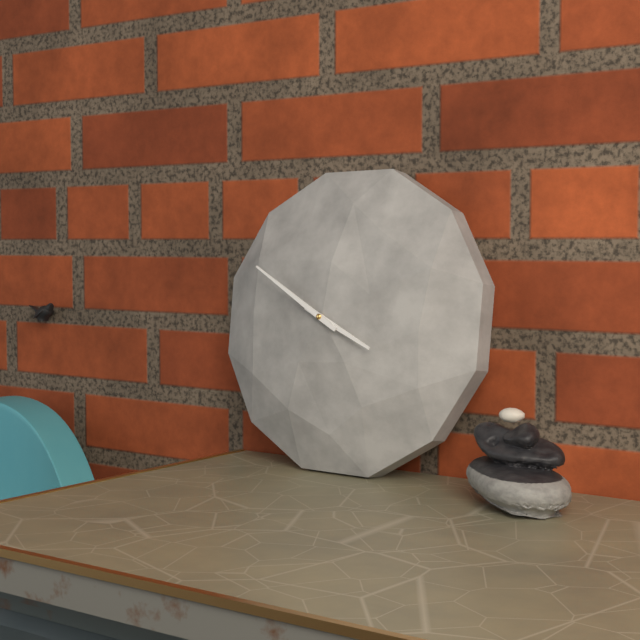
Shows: h=3 m=50
